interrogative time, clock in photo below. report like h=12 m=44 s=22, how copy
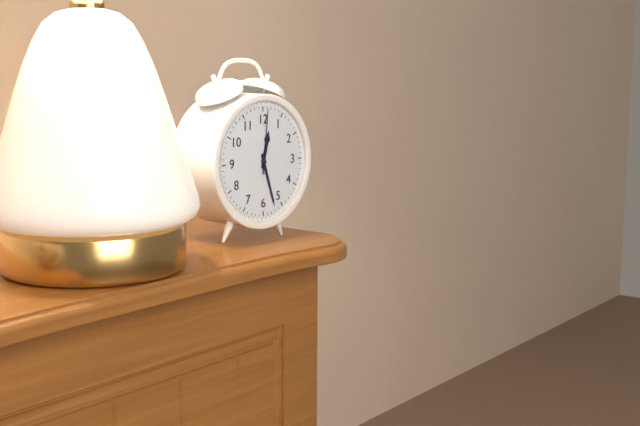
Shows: h=12 m=27 s=1
